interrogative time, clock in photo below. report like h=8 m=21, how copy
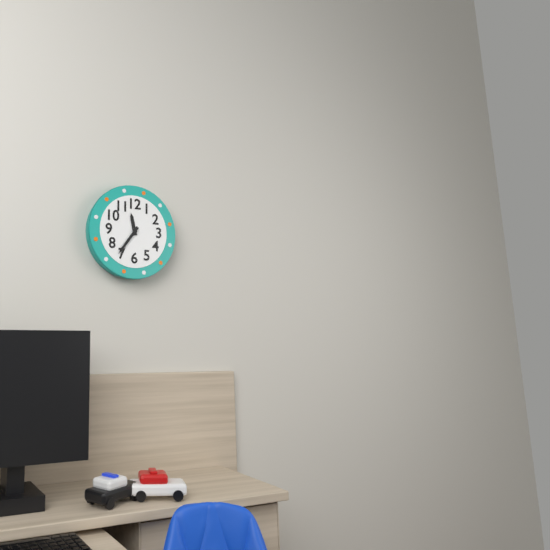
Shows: h=11 m=36
